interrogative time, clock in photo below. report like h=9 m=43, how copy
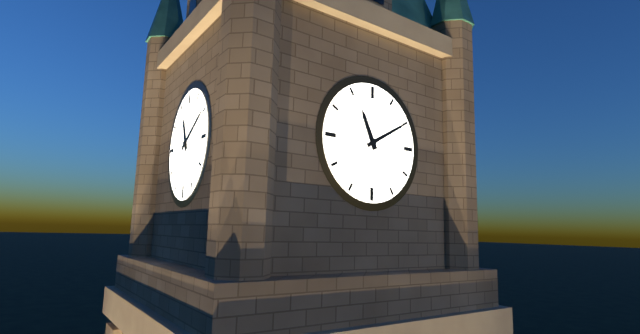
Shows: h=11 m=10
